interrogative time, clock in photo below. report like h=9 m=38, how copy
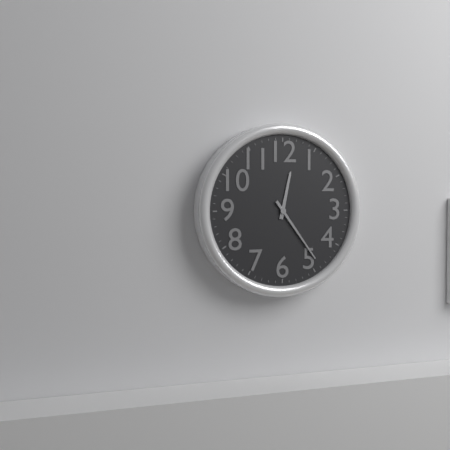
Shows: h=12 m=24
